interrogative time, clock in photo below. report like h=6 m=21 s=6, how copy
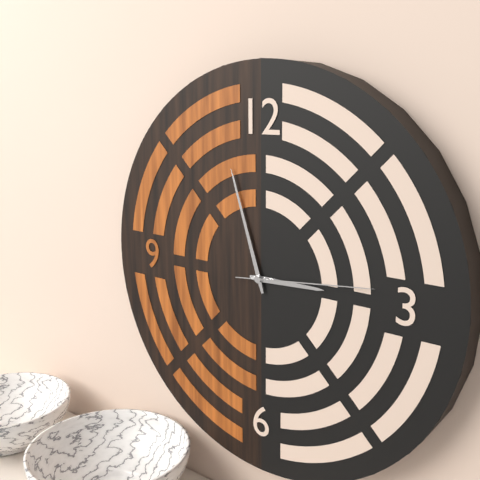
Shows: h=2 m=57 s=14
